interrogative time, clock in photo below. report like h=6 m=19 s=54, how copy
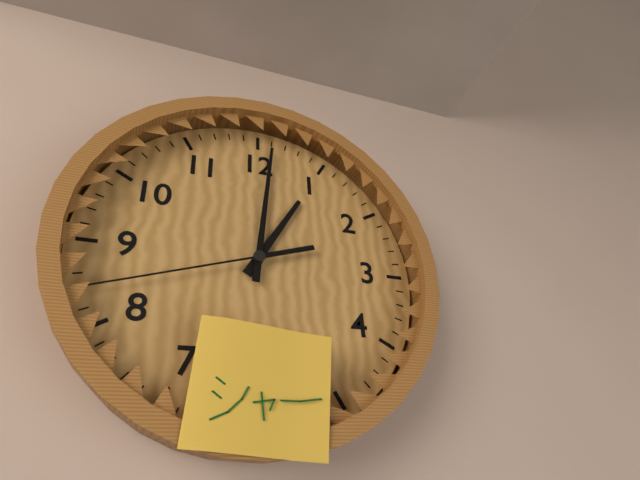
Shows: h=1 m=1 s=42
